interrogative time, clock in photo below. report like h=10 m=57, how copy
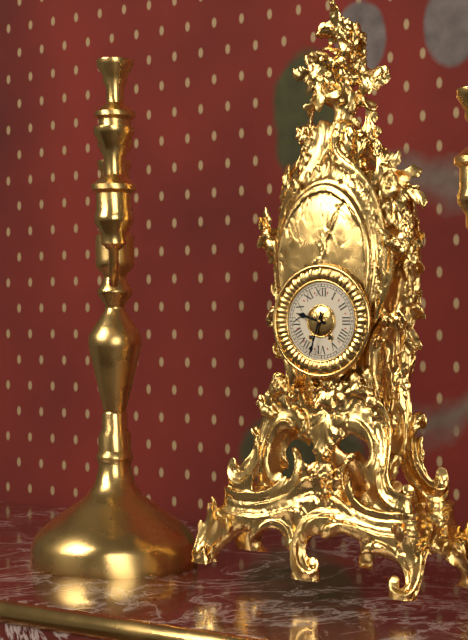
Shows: h=9 m=33
